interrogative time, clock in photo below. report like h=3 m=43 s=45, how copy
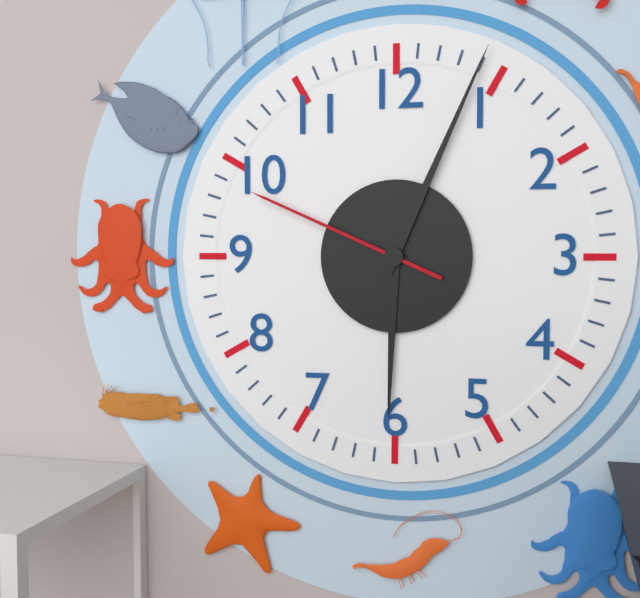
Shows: h=6 m=4 s=49
